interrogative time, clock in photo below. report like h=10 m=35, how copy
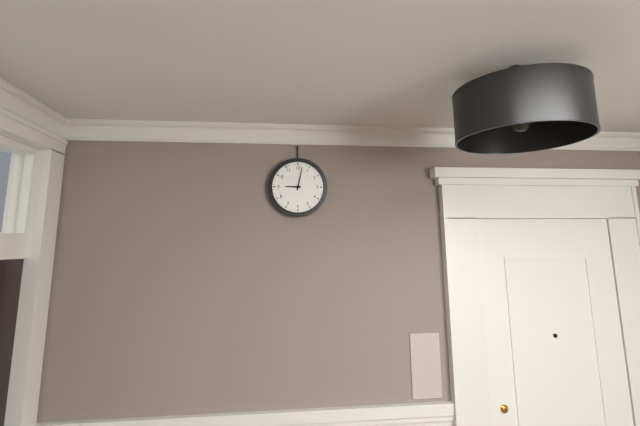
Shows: h=9 m=2
